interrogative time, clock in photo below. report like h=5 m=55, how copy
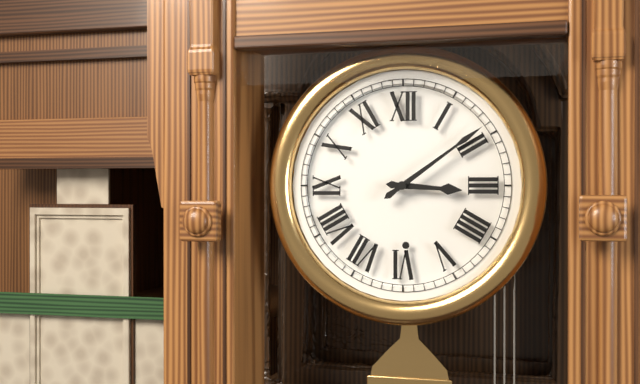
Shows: h=3 m=9
